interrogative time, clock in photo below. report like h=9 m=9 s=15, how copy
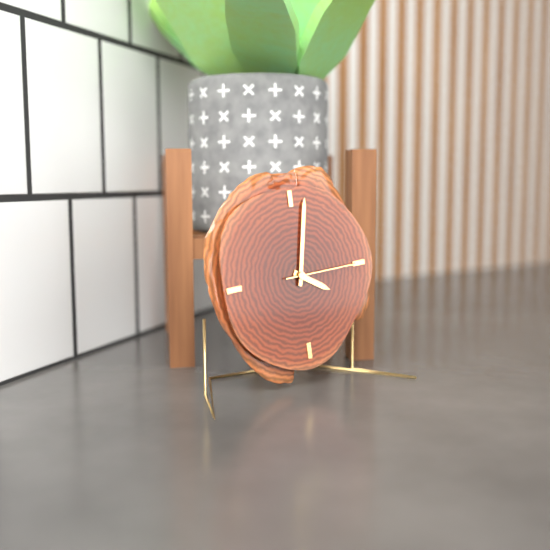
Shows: h=4 m=2 s=15
